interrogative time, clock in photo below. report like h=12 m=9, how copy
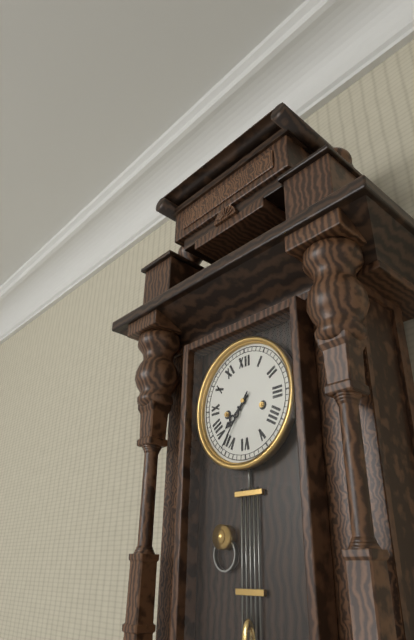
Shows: h=7 m=36
